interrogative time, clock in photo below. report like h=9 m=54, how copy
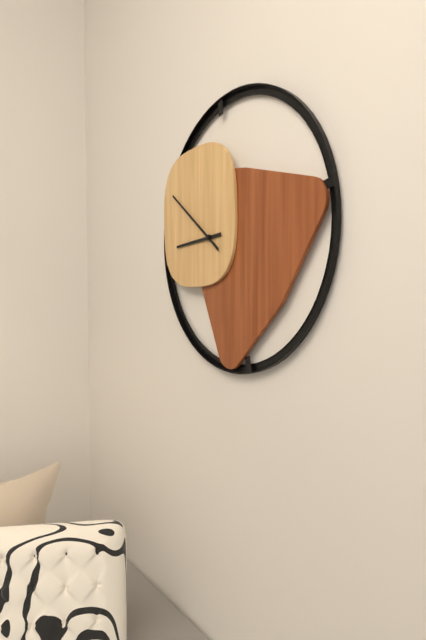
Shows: h=8 m=51
